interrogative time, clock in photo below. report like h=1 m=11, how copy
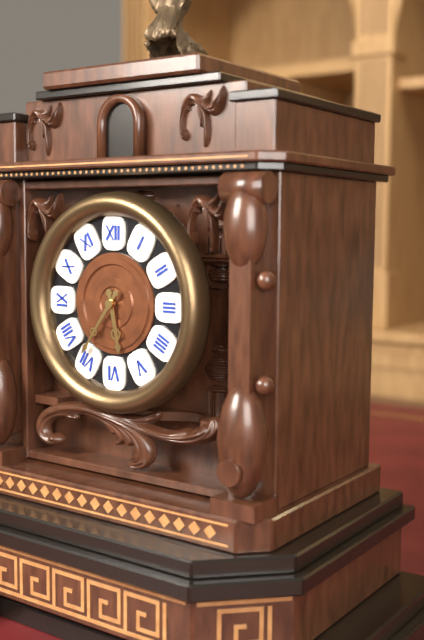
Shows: h=5 m=36
